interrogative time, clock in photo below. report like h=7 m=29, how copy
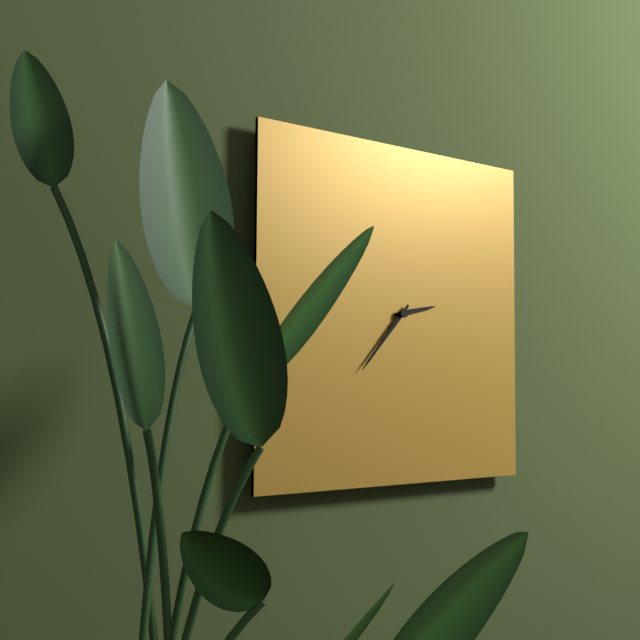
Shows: h=2 m=37
